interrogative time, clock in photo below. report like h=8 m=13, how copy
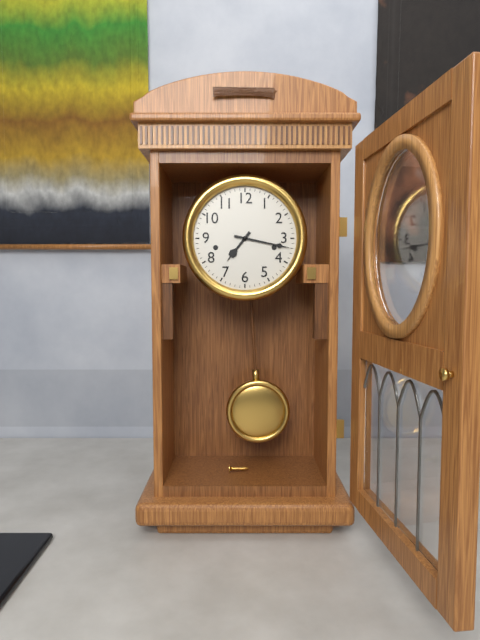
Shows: h=7 m=17
